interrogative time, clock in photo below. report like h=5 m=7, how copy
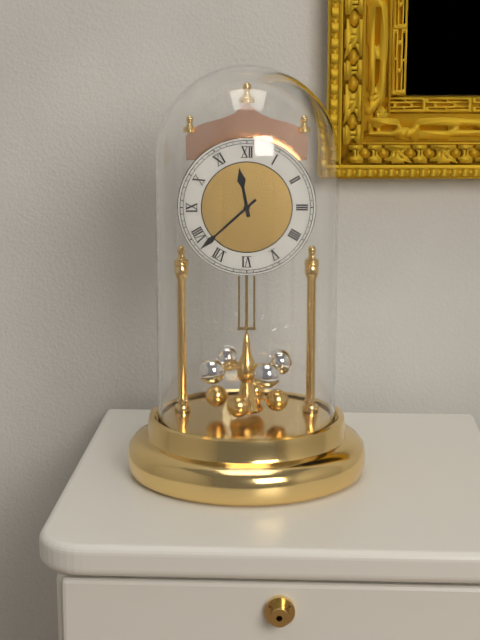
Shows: h=11 m=38
